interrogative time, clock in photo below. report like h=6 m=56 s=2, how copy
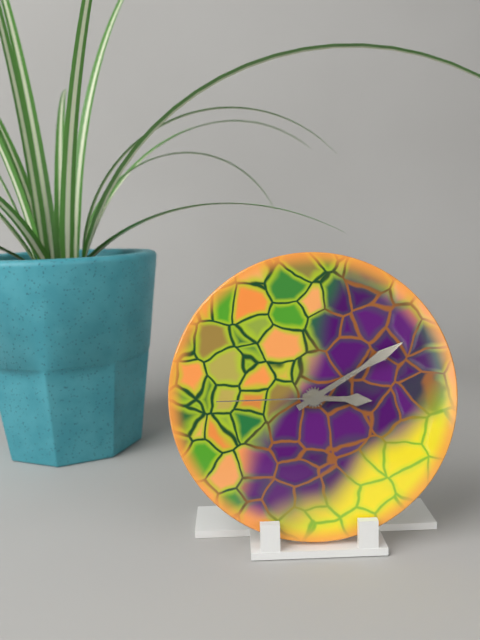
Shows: h=3 m=10 s=45
